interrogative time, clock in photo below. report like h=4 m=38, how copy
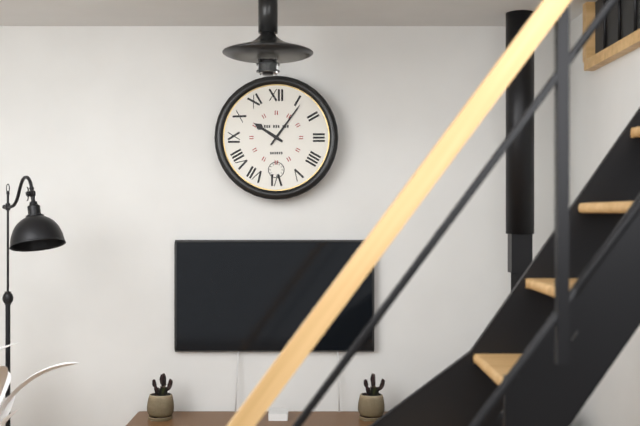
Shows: h=10 m=6
